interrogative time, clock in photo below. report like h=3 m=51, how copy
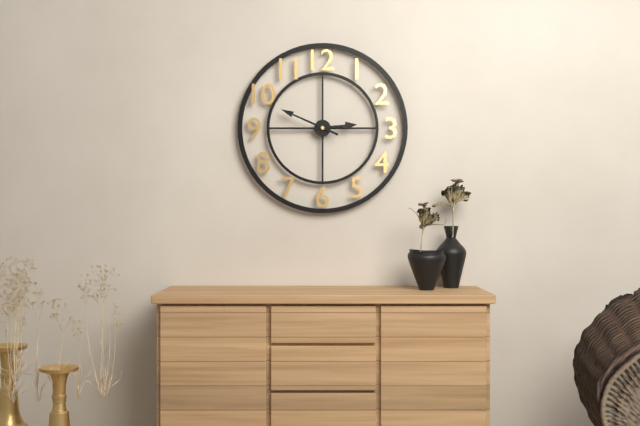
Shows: h=2 m=49
